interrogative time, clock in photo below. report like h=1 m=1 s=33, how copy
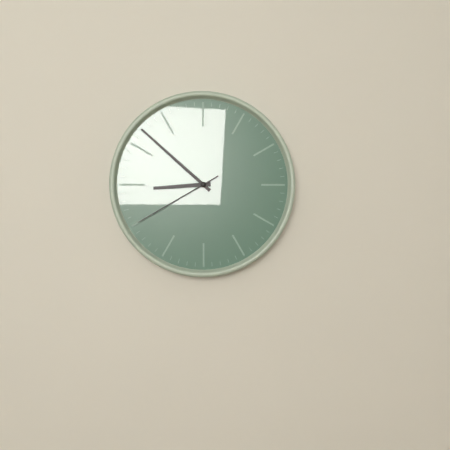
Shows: h=8 m=52 s=40
